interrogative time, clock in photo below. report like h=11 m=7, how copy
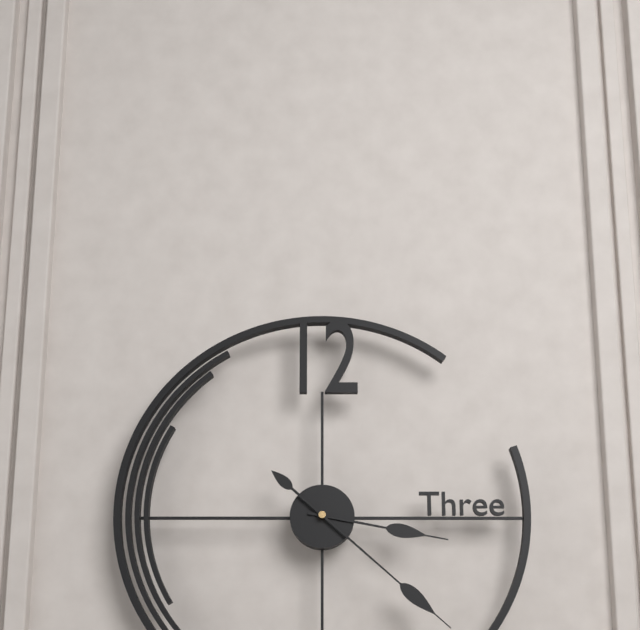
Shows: h=3 m=22
